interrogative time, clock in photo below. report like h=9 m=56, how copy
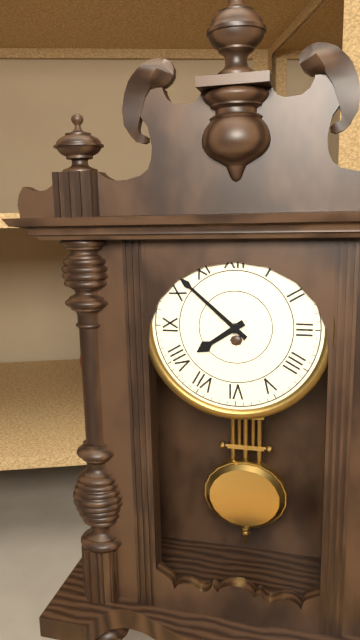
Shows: h=7 m=52
